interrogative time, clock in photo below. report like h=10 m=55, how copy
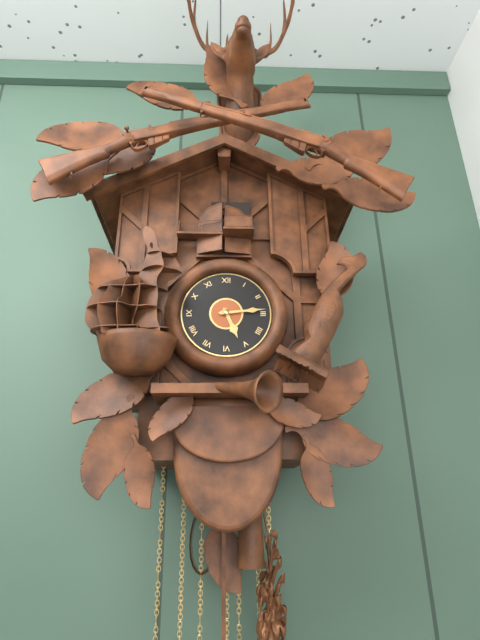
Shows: h=5 m=14
